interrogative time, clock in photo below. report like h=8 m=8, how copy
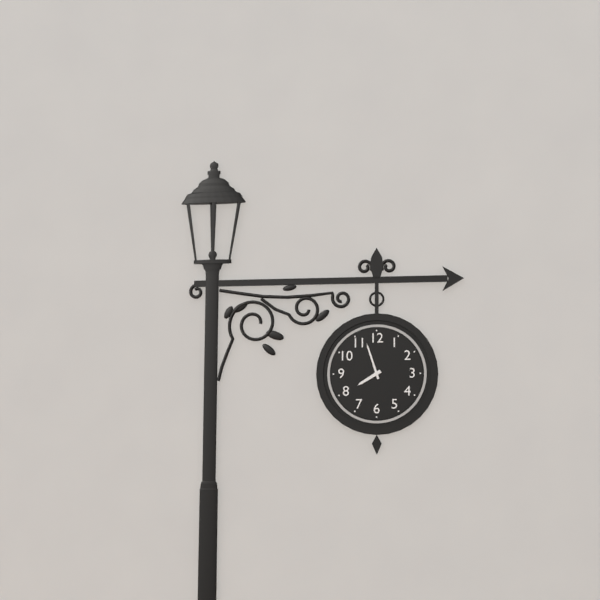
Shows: h=7 m=57
